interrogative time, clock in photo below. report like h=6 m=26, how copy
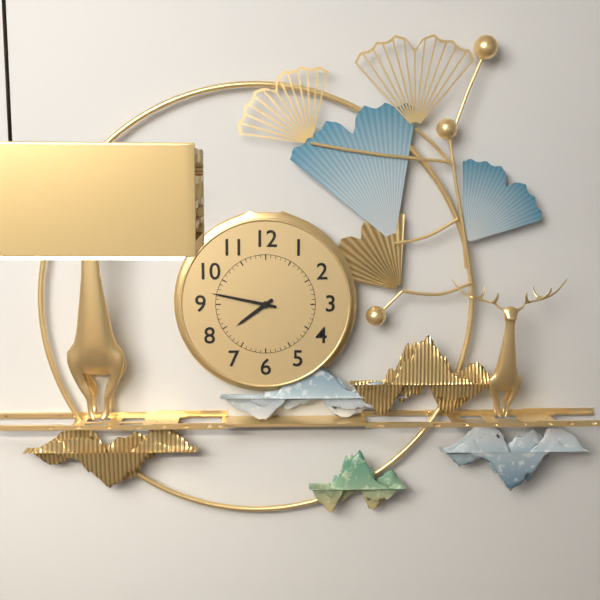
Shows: h=7 m=47
